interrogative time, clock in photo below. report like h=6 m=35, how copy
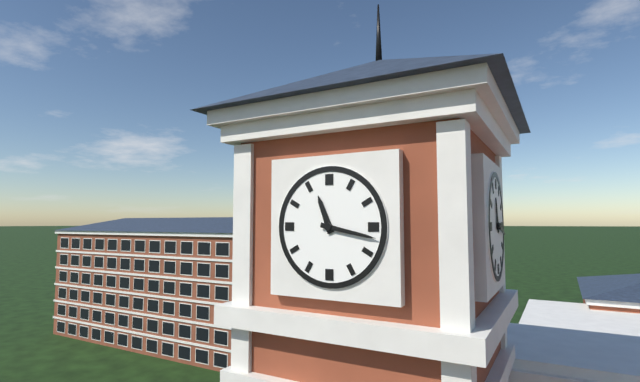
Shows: h=11 m=17
